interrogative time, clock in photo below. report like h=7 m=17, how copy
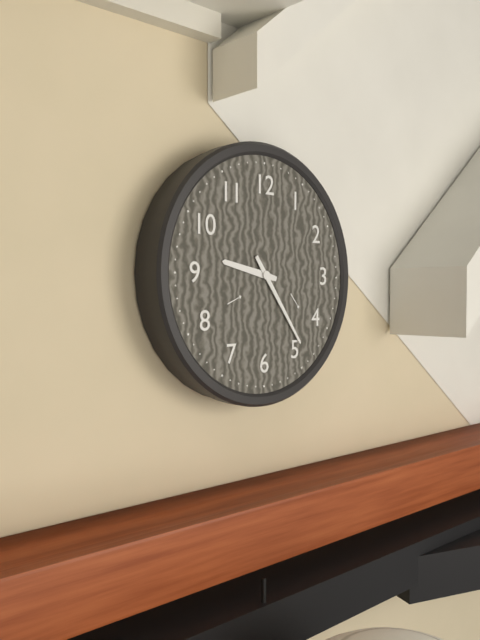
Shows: h=9 m=24
